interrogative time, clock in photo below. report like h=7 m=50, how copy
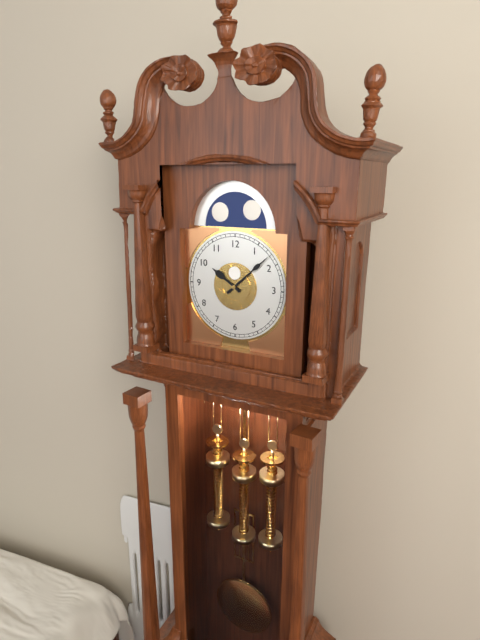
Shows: h=10 m=8
